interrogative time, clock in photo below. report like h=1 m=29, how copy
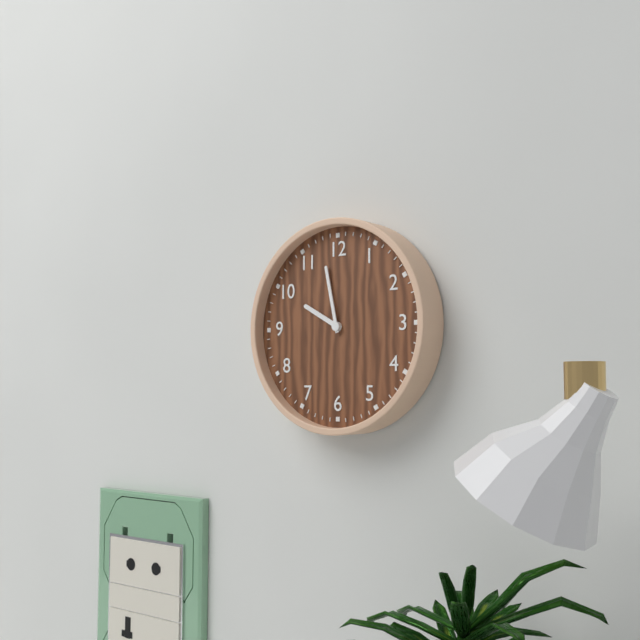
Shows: h=9 m=58
